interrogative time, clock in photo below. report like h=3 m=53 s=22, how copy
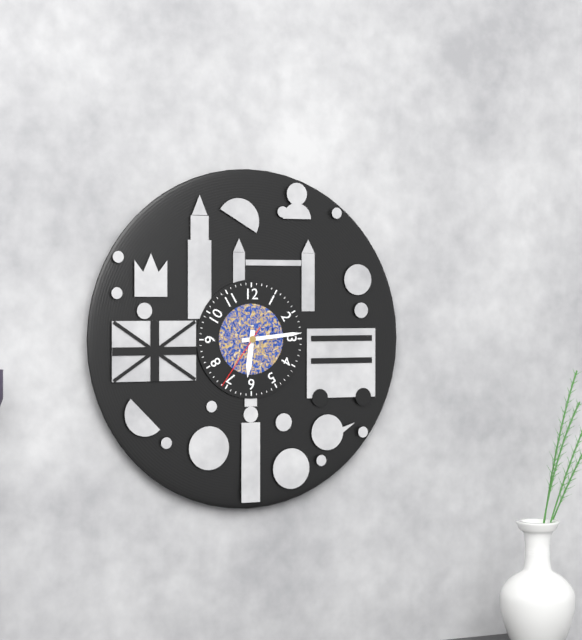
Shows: h=6 m=14 s=36
